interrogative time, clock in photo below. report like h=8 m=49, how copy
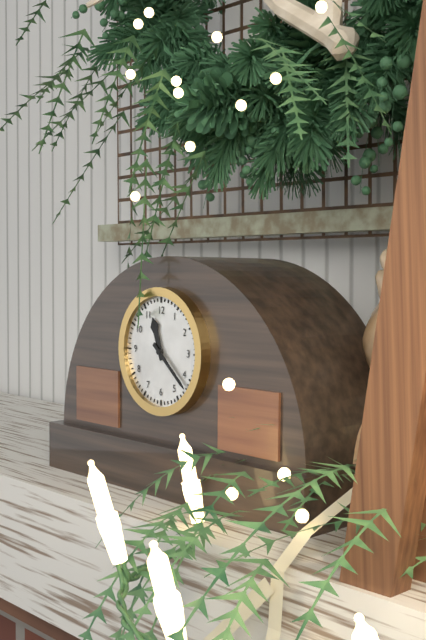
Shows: h=11 m=22
